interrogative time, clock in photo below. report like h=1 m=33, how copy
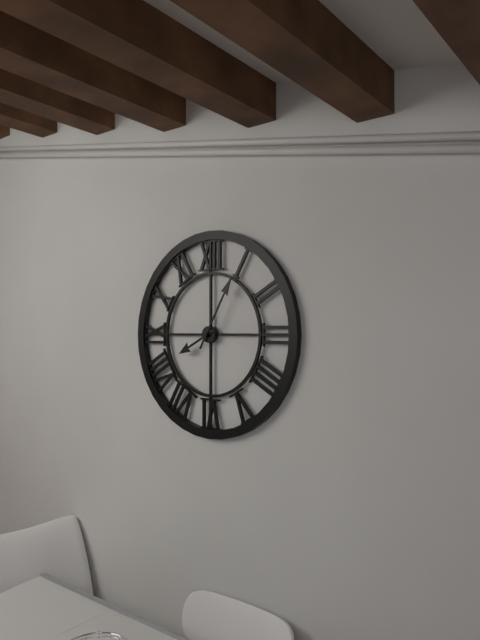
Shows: h=8 m=5
